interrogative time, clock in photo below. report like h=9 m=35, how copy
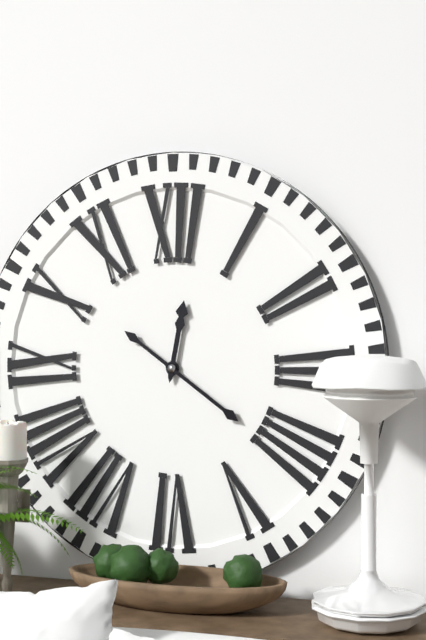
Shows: h=12 m=21
